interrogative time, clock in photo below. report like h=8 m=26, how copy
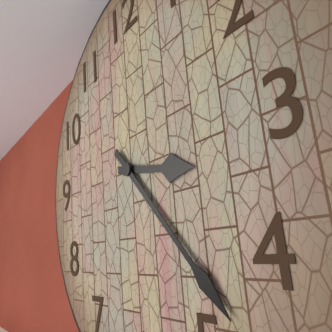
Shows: h=3 m=23
